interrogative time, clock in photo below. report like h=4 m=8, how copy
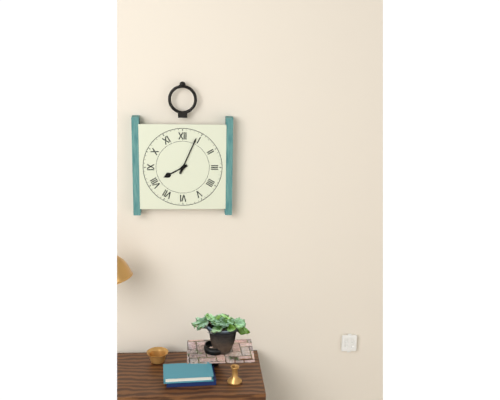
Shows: h=8 m=4
